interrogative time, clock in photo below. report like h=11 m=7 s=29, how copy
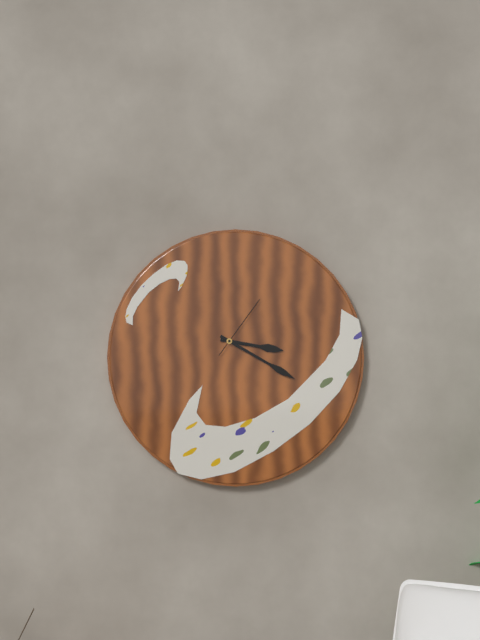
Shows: h=3 m=20 s=6
